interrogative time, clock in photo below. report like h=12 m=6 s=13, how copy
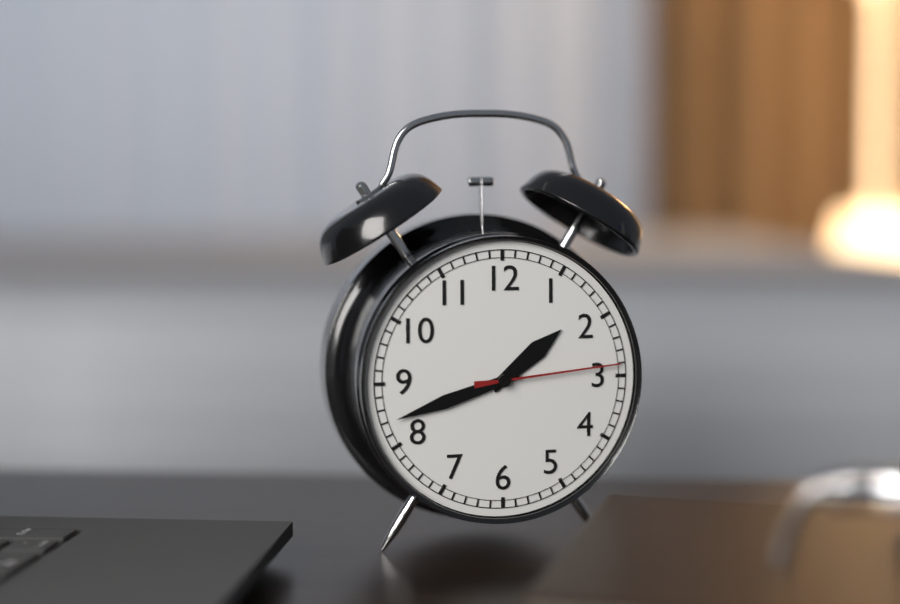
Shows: h=1 m=42 s=14
